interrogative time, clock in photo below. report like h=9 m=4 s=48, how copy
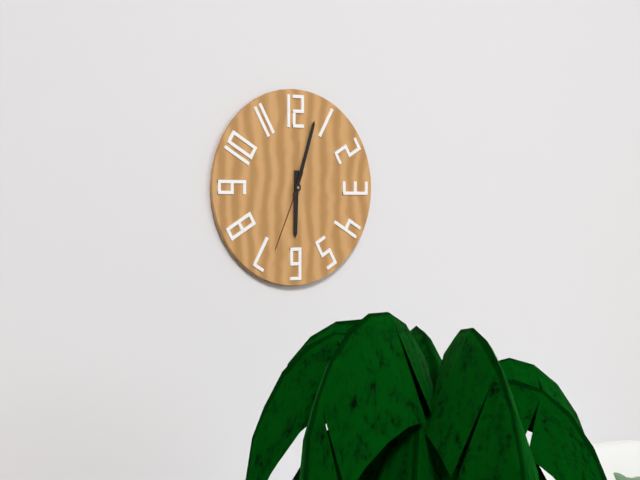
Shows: h=6 m=3 s=34
